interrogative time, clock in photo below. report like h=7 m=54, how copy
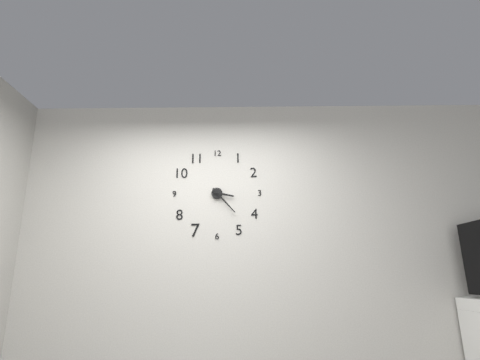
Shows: h=3 m=23
